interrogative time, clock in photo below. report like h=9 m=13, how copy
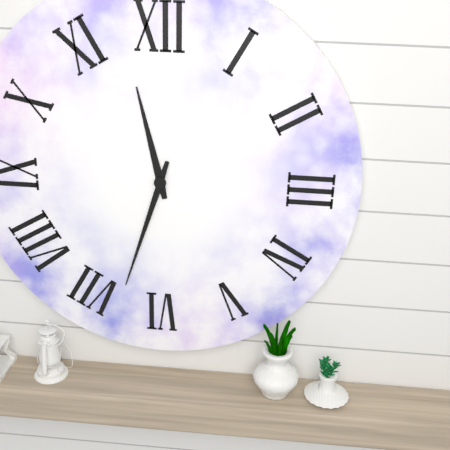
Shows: h=11 m=33
